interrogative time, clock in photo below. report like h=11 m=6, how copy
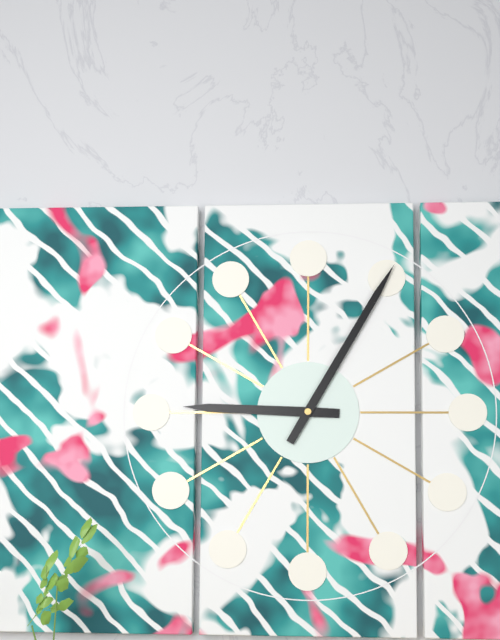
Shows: h=9 m=5
